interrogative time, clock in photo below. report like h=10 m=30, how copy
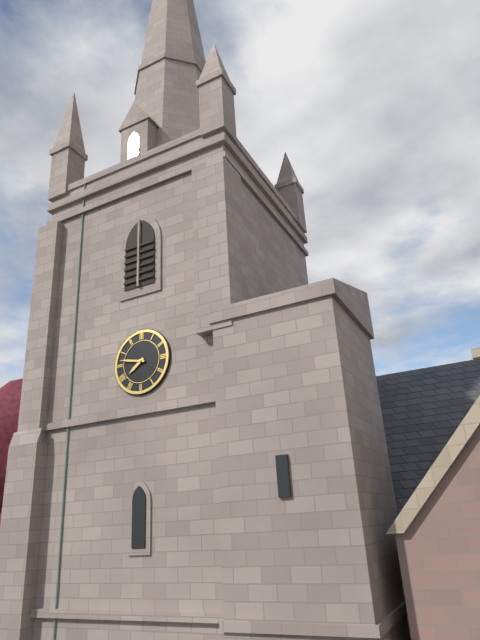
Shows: h=7 m=47
